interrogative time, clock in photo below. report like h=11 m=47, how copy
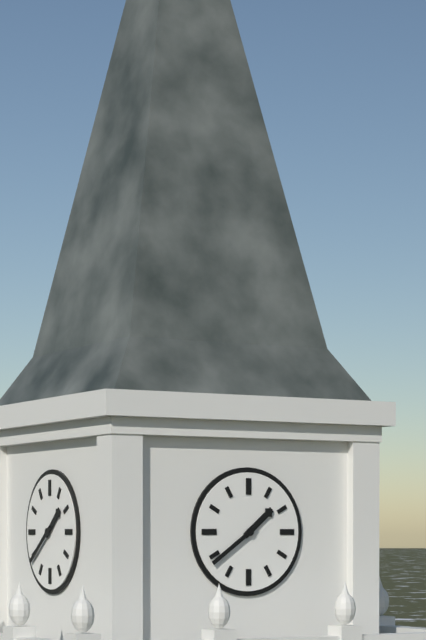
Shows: h=1 m=39
